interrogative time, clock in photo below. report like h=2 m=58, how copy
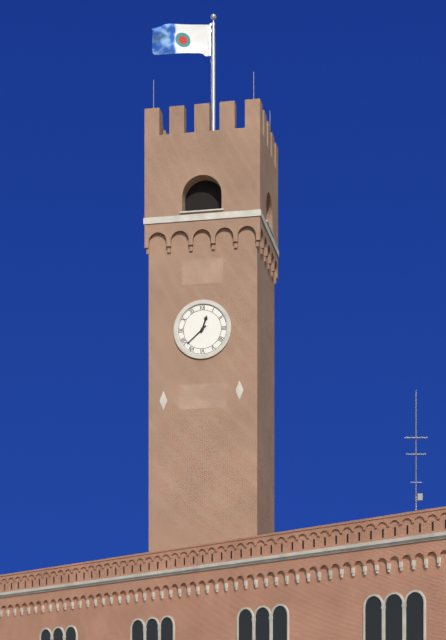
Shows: h=12 m=38
